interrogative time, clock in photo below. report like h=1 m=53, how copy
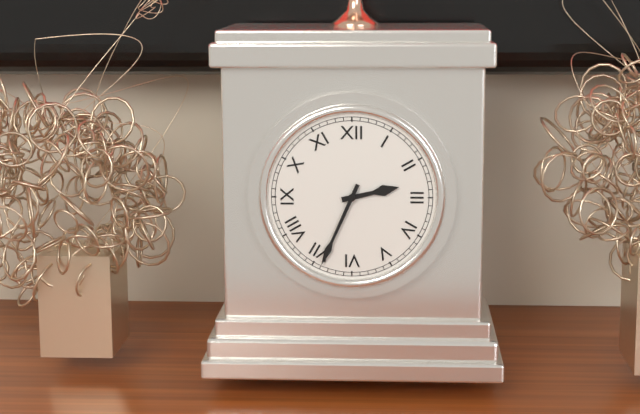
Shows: h=2 m=34
